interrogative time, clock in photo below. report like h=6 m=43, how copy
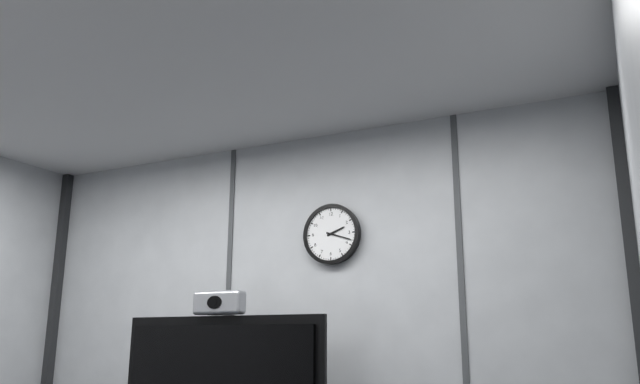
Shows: h=2 m=18
